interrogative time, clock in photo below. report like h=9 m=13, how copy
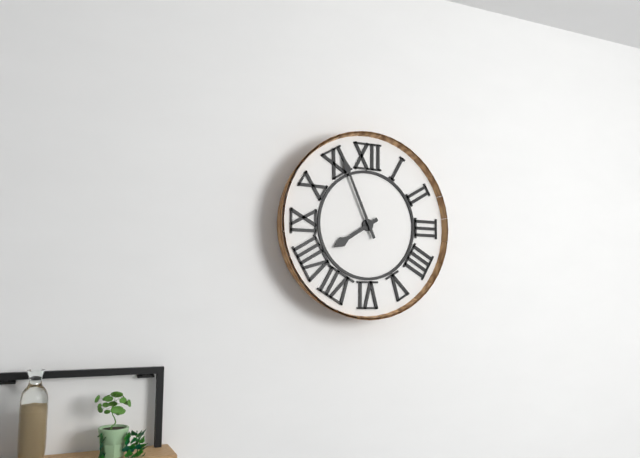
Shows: h=7 m=56
